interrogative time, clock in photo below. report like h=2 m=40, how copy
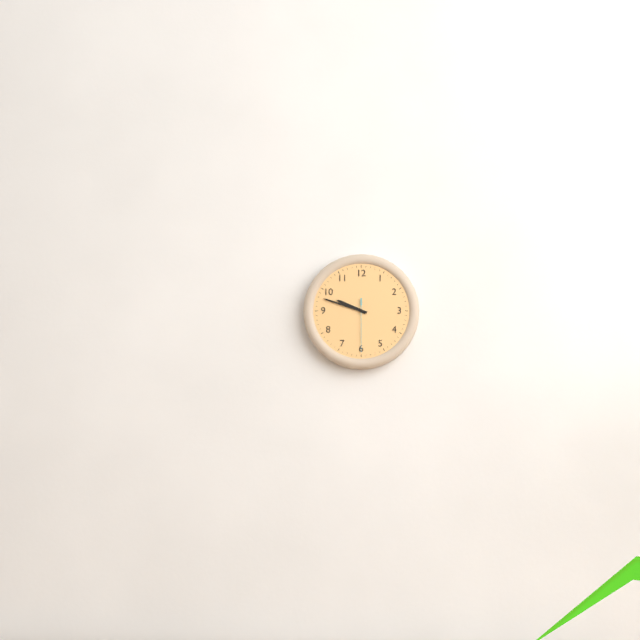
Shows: h=9 m=48
